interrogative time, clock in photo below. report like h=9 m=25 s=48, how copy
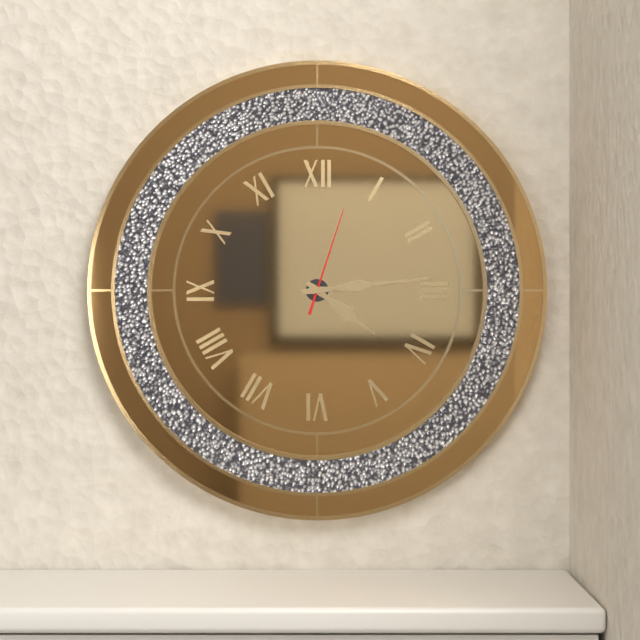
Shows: h=4 m=14 s=3
